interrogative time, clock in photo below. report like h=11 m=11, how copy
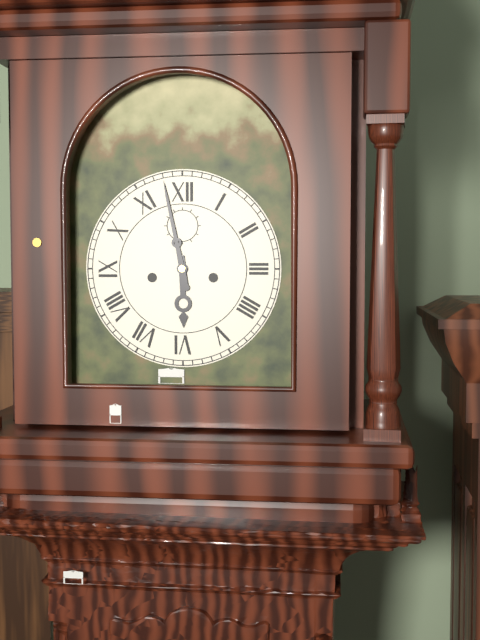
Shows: h=5 m=58
